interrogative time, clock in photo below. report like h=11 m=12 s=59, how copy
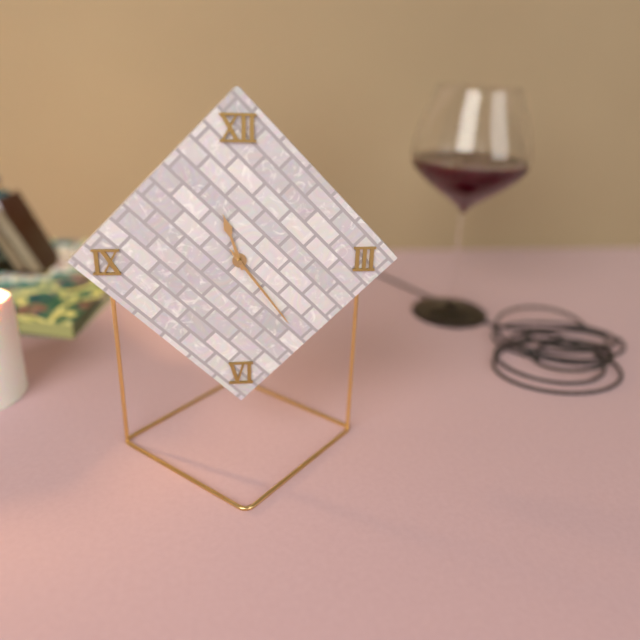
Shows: h=11 m=24 s=24
